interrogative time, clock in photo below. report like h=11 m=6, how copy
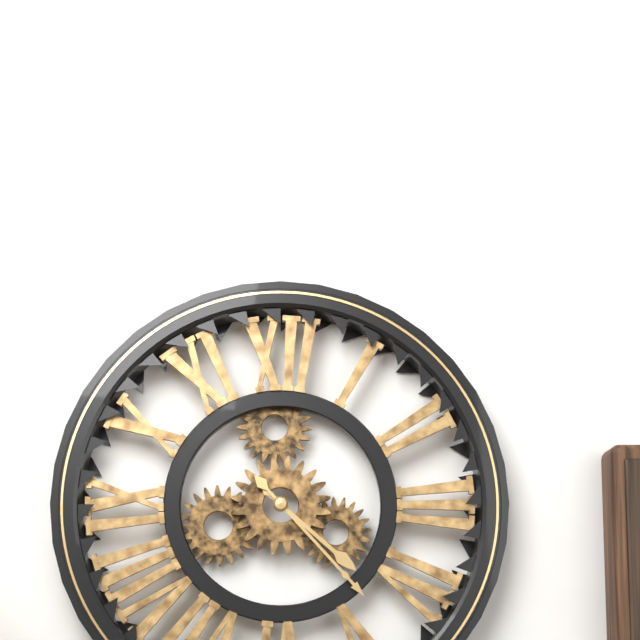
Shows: h=4 m=23
